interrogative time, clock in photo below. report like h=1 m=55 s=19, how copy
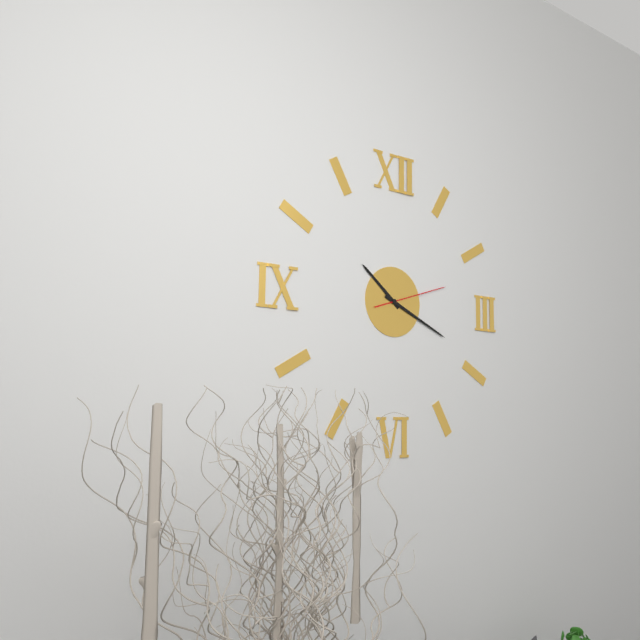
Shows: h=10 m=19 s=12
